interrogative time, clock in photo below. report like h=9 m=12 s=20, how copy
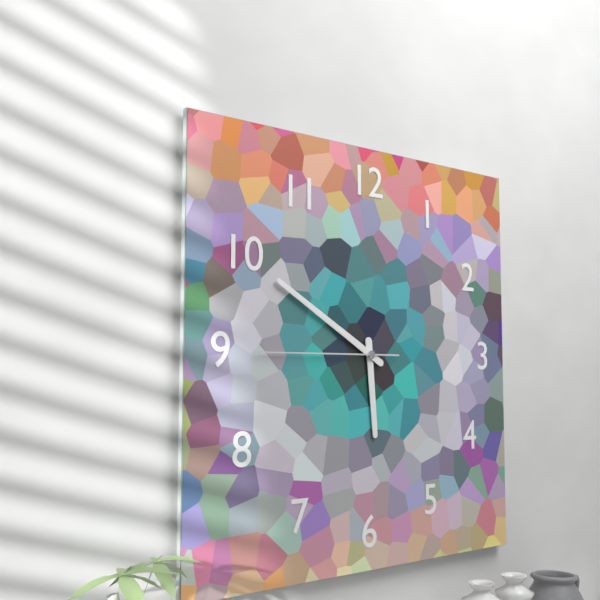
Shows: h=5 m=50 s=45
